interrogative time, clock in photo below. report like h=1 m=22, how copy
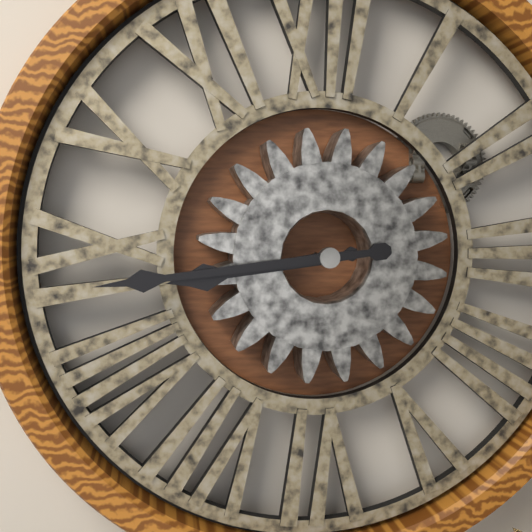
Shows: h=8 m=44
